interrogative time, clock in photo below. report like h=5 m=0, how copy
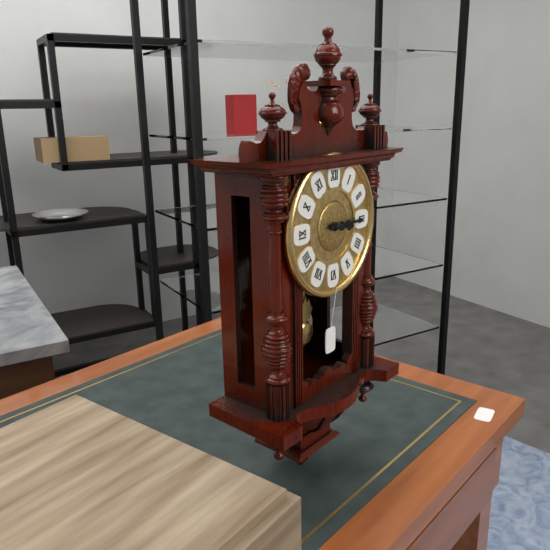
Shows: h=3 m=15
